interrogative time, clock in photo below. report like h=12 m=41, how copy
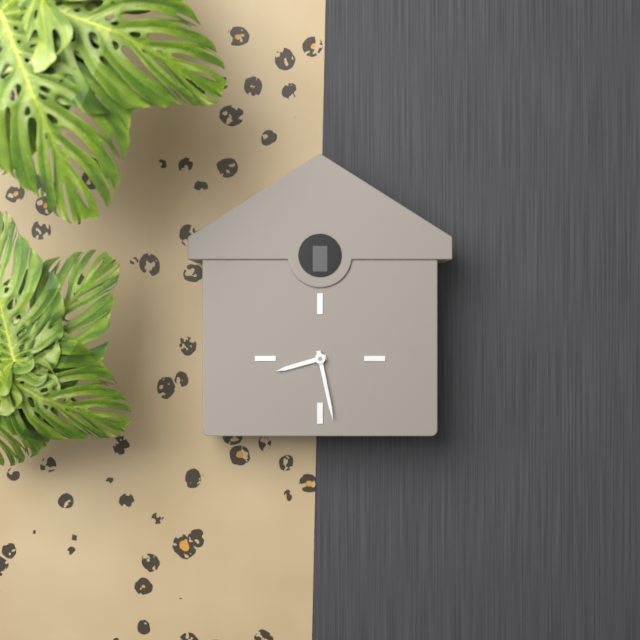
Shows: h=8 m=28
